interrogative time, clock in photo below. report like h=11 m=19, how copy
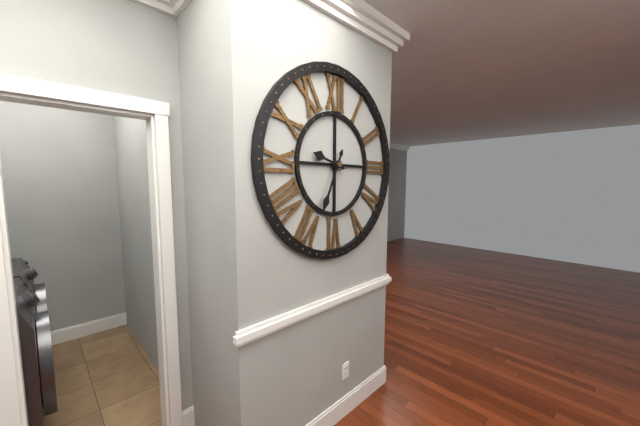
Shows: h=9 m=34
